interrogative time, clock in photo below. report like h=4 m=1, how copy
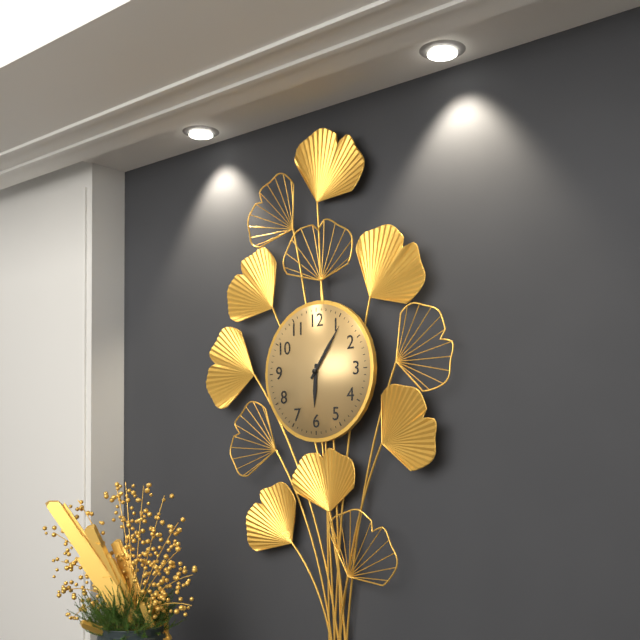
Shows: h=6 m=6
